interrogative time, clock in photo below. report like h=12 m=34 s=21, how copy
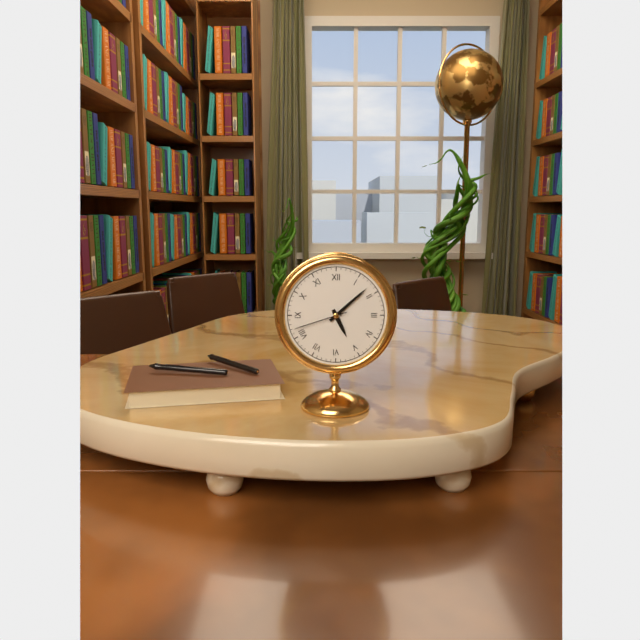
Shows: h=5 m=8 s=42
